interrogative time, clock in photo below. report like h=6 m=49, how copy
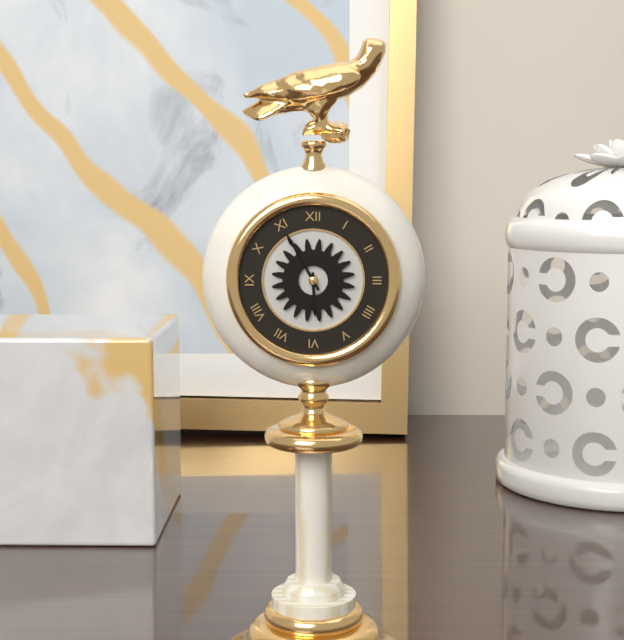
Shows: h=5 m=55
